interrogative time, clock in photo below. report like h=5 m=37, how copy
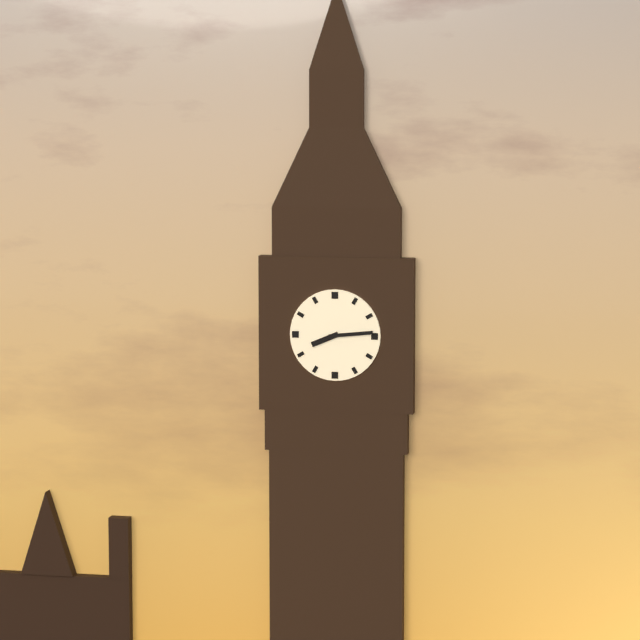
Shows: h=8 m=14
